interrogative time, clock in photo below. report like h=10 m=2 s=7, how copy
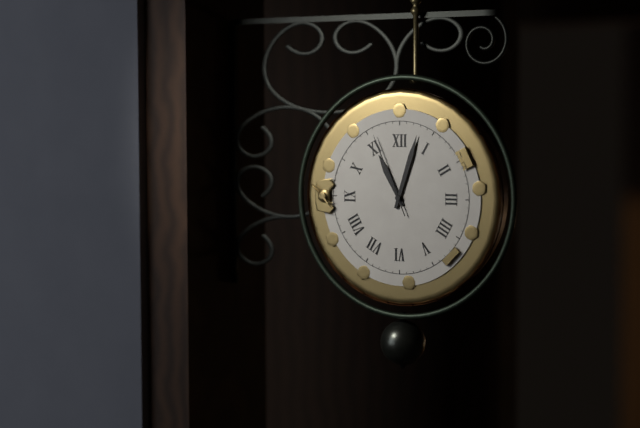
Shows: h=11 m=3 s=56
